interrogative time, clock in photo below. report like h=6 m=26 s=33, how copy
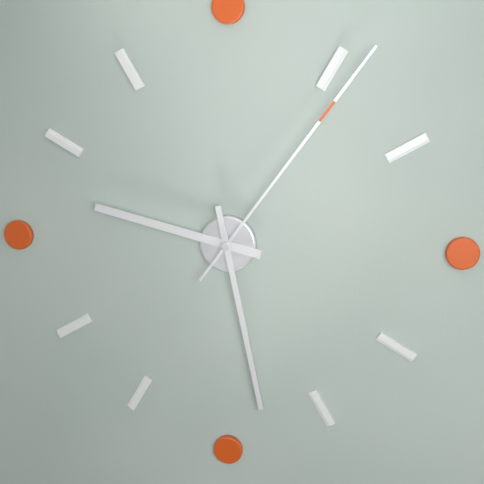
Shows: h=9 m=28 s=6
